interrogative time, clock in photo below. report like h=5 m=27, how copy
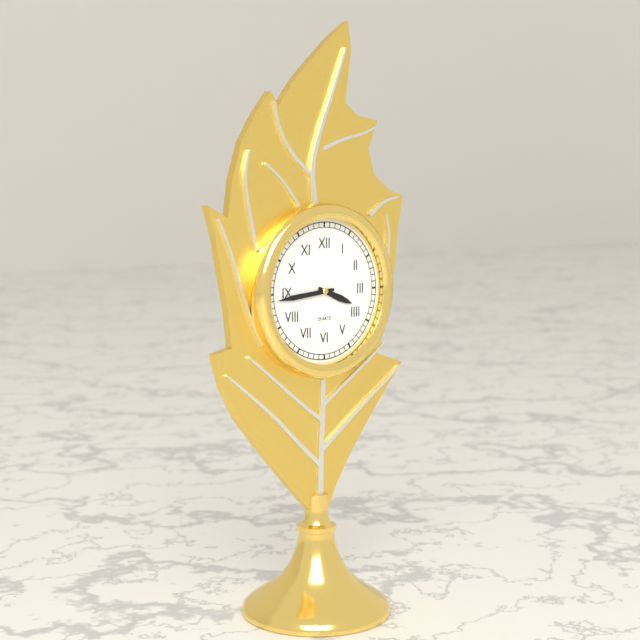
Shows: h=3 m=44
